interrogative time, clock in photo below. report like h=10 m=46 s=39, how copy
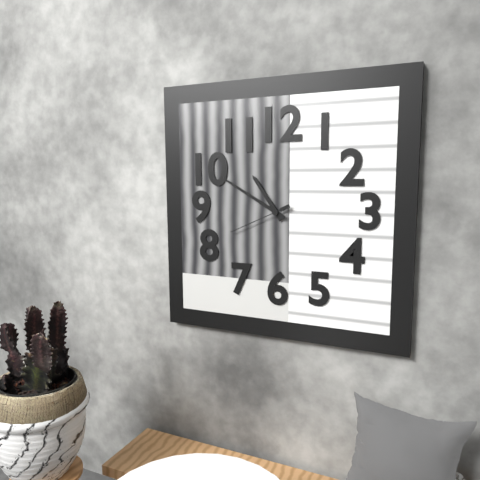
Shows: h=10 m=50 s=41
